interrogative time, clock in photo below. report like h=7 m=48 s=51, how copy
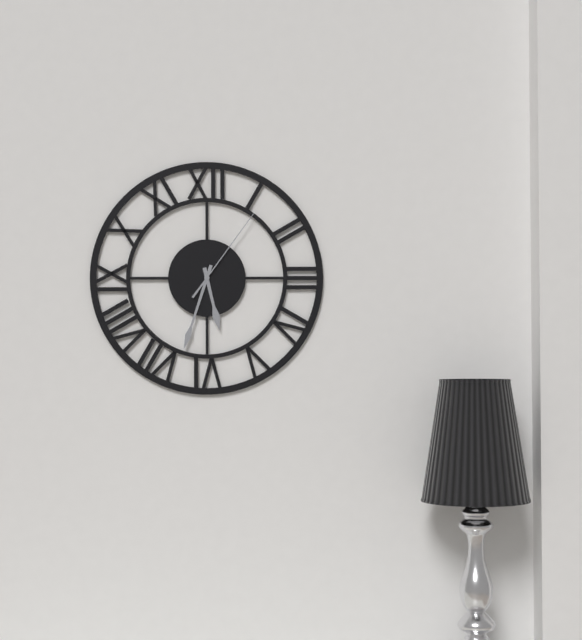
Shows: h=5 m=33 s=6
